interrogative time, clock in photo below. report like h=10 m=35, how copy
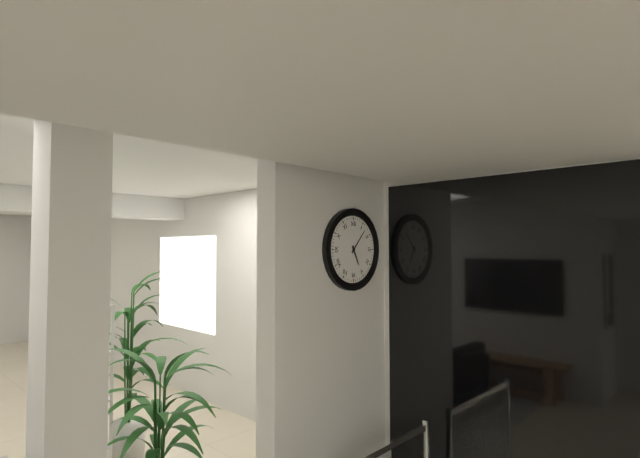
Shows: h=5 m=7
